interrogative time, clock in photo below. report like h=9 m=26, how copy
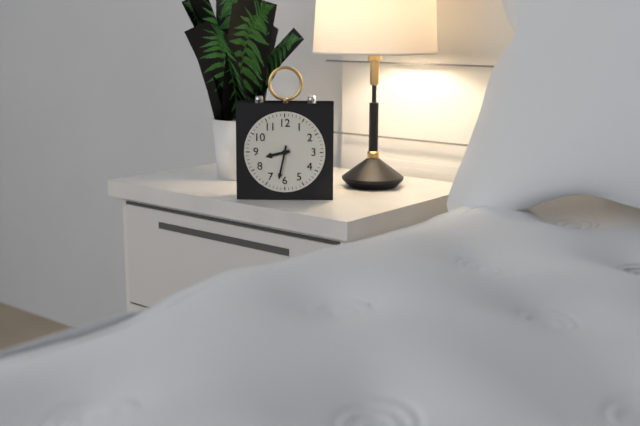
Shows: h=8 m=32
